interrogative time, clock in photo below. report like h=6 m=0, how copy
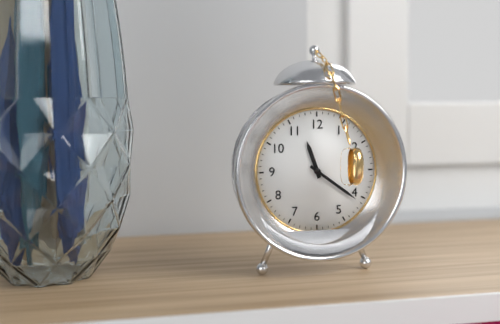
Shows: h=11 m=21
